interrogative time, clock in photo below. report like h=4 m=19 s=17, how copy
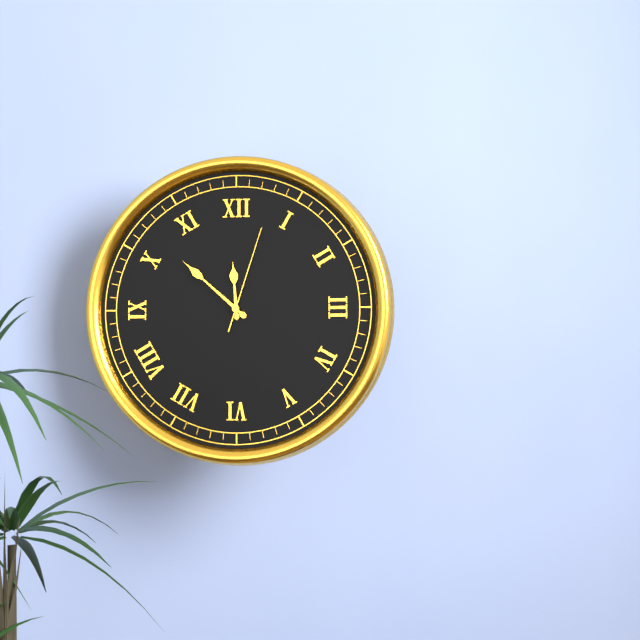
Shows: h=11 m=52 s=3
